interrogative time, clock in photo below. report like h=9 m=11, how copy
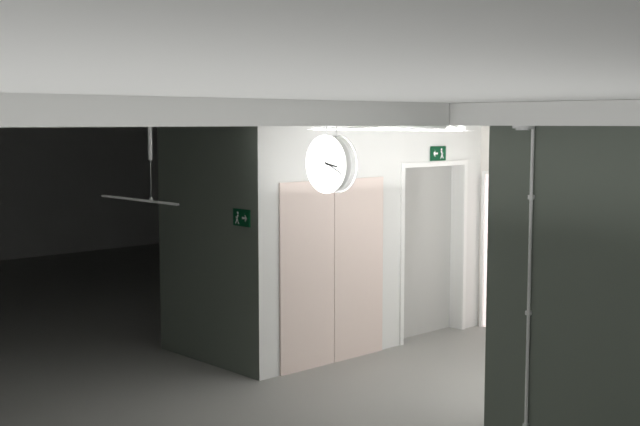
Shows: h=3 m=19
